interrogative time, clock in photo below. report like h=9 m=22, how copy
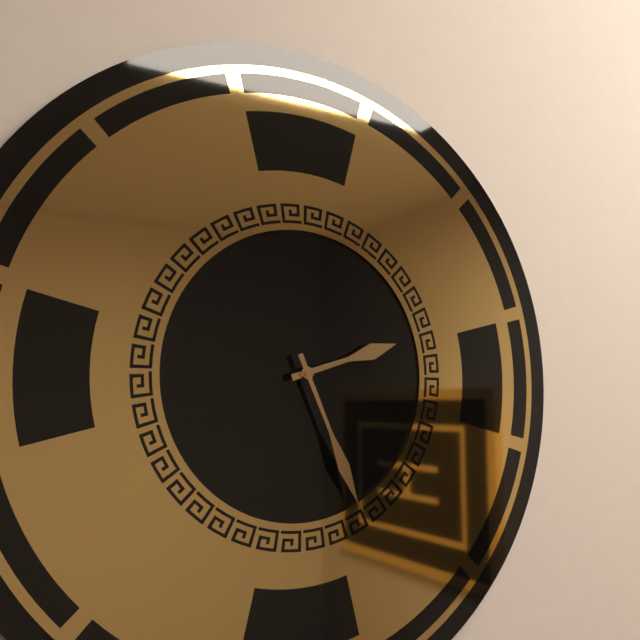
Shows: h=2 m=26
